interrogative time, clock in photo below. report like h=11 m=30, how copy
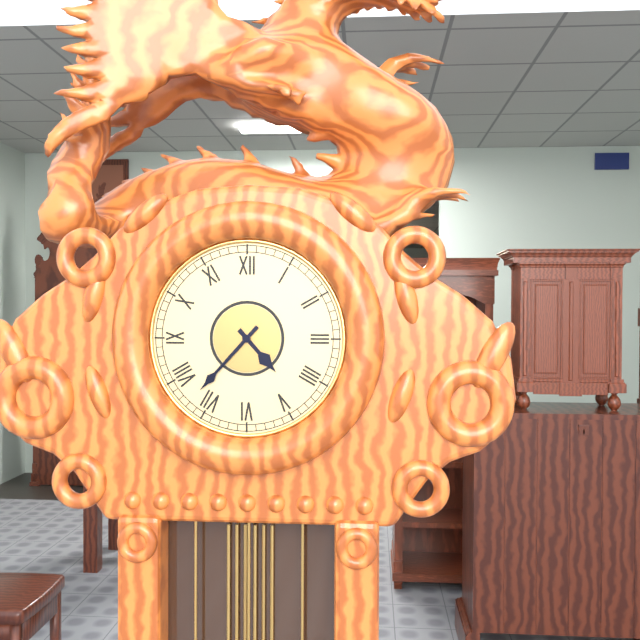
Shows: h=4 m=37
